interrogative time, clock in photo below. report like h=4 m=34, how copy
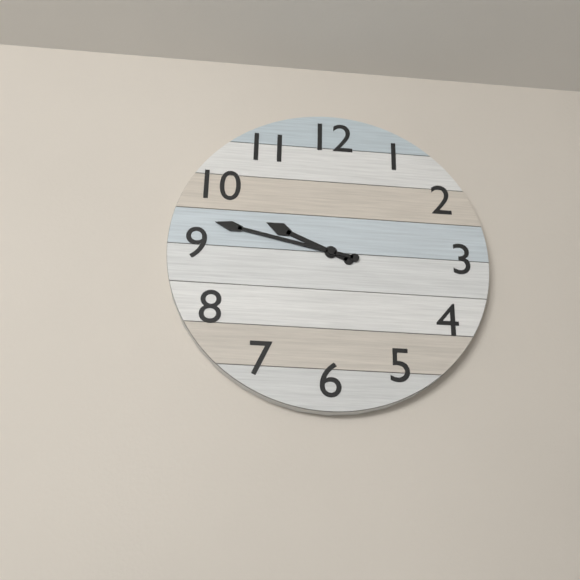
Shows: h=9 m=47
